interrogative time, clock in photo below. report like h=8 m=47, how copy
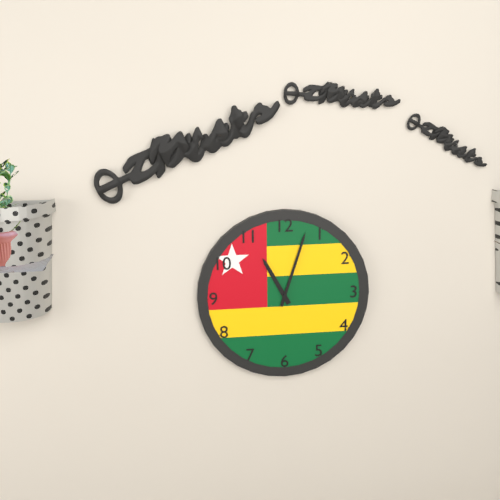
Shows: h=11 m=3
